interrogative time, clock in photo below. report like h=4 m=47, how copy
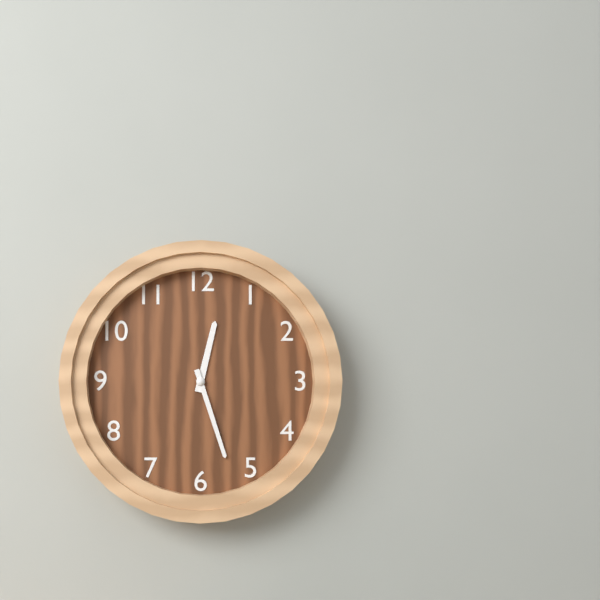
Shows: h=12 m=27
